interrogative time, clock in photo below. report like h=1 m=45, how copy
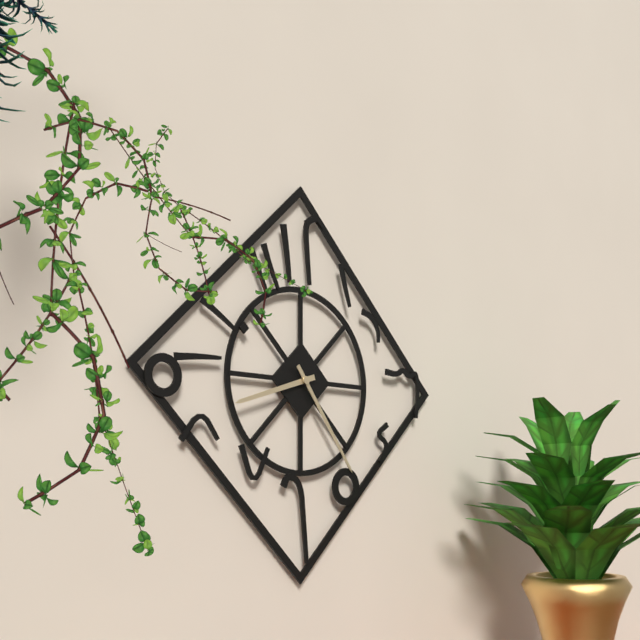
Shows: h=8 m=24
